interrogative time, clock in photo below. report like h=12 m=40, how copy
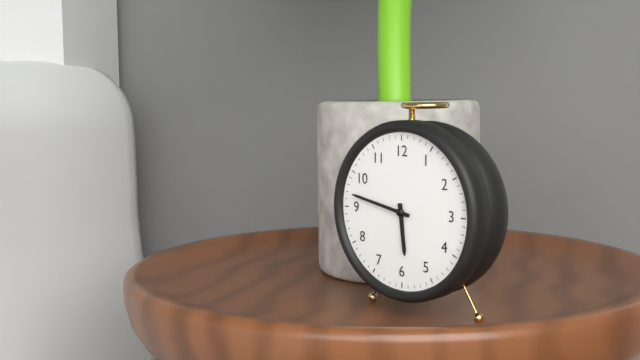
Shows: h=5 m=47
